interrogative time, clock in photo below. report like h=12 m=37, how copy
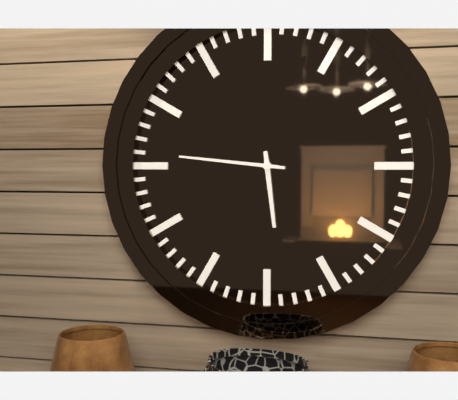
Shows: h=5 m=46
